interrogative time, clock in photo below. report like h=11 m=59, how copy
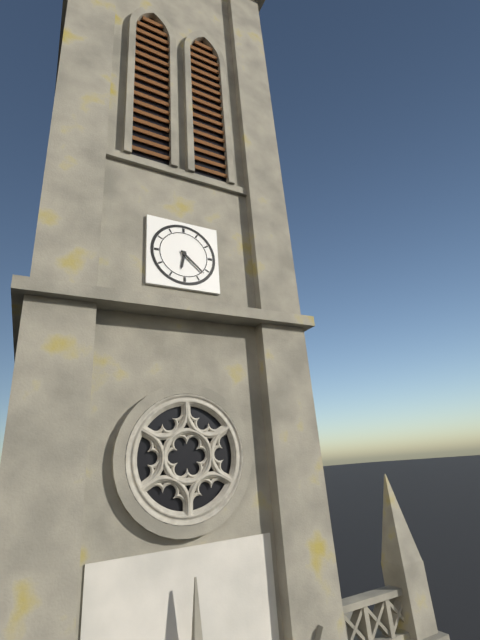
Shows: h=6 m=22
